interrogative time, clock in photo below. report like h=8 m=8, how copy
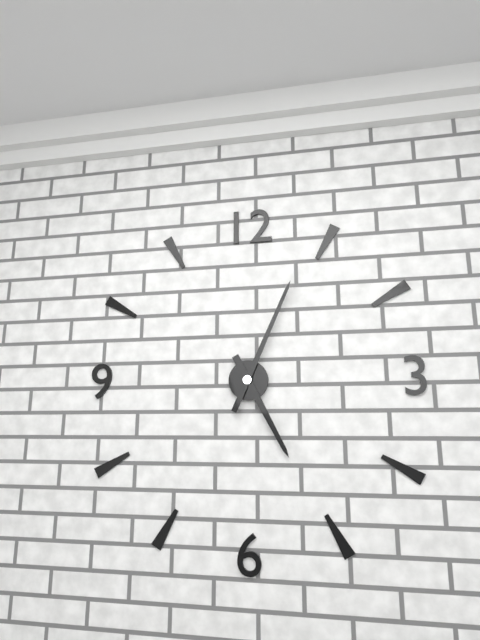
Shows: h=5 m=4
